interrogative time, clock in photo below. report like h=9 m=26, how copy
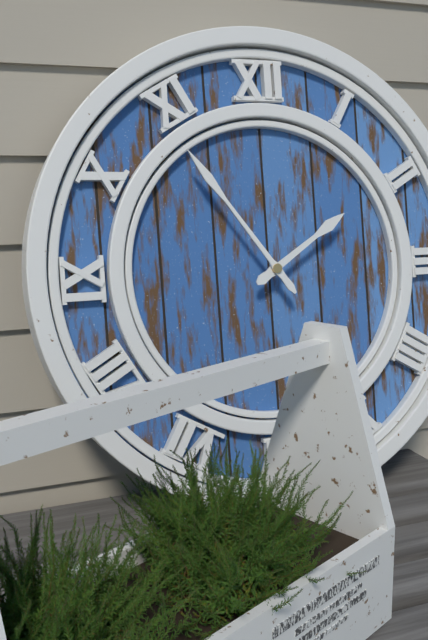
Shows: h=1 m=54
